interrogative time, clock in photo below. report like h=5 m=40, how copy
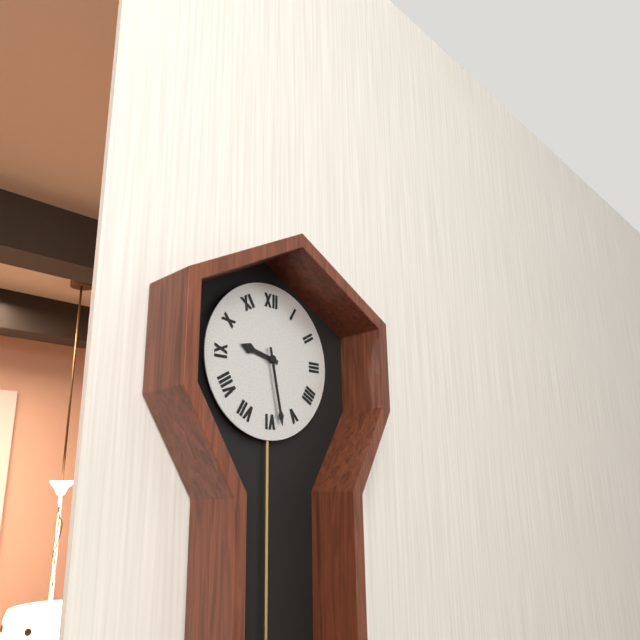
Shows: h=9 m=28
